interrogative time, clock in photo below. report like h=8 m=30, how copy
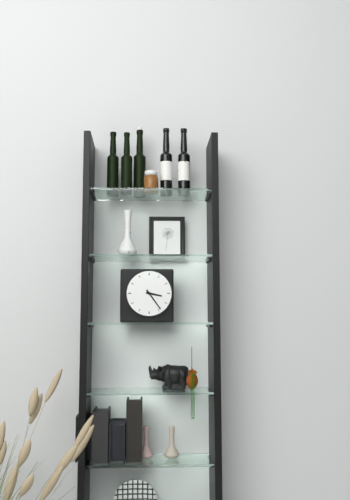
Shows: h=3 m=24
